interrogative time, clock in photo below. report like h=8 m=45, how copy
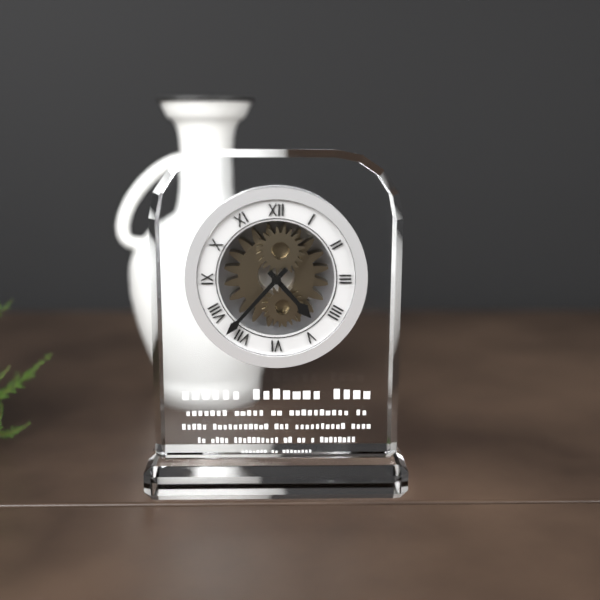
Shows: h=4 m=37
